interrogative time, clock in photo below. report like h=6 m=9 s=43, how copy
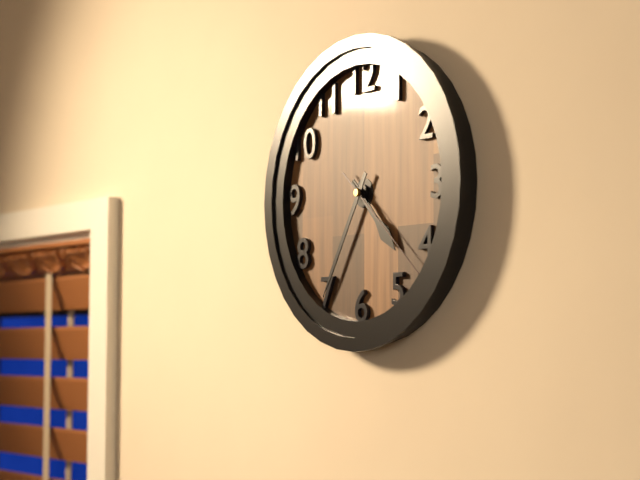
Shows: h=4 m=35 s=22
